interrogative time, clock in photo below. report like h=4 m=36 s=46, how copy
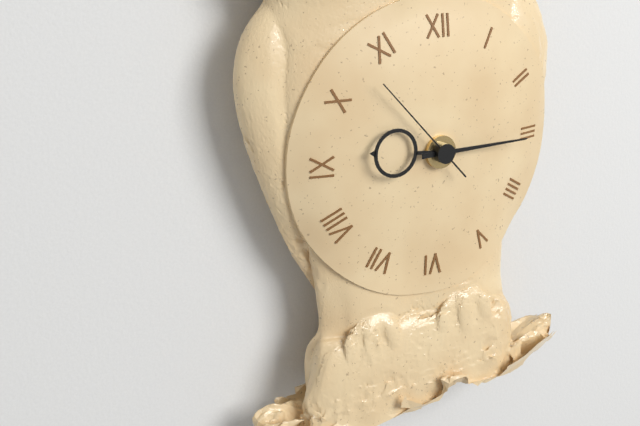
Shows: h=9 m=15 s=53
